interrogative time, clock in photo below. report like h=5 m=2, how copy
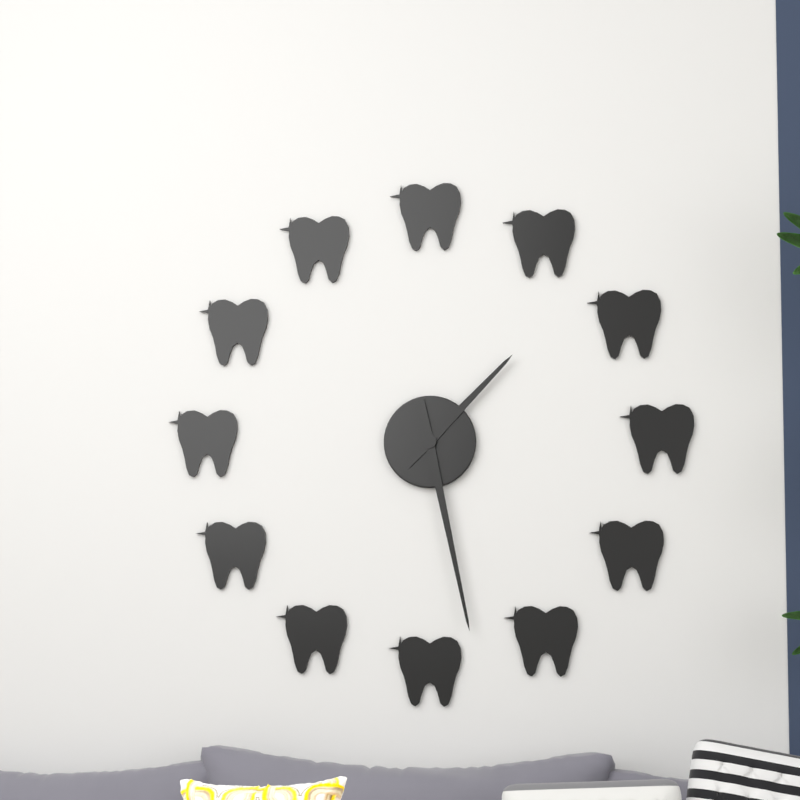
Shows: h=1 m=28
